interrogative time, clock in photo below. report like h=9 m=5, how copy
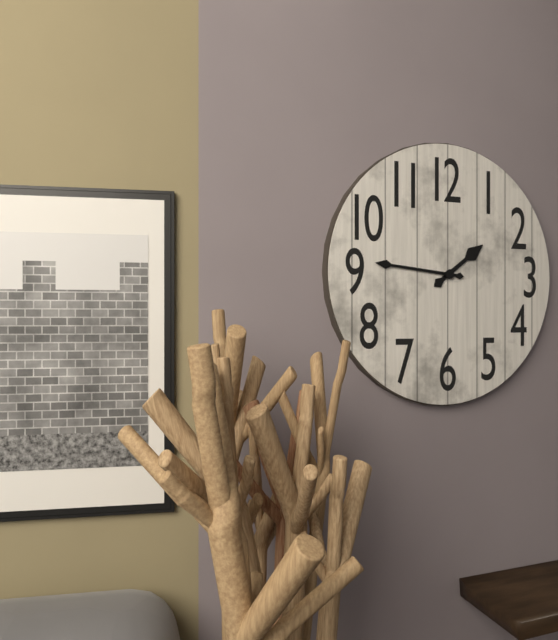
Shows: h=1 m=46
